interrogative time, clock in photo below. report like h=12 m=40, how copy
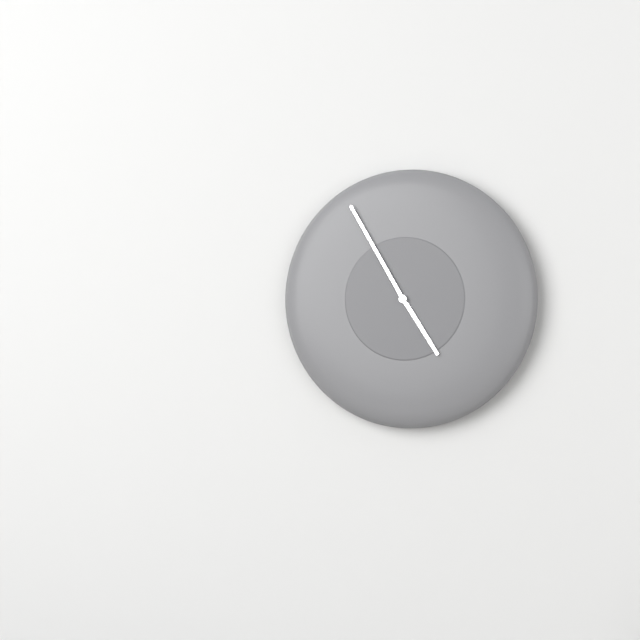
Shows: h=4 m=55
